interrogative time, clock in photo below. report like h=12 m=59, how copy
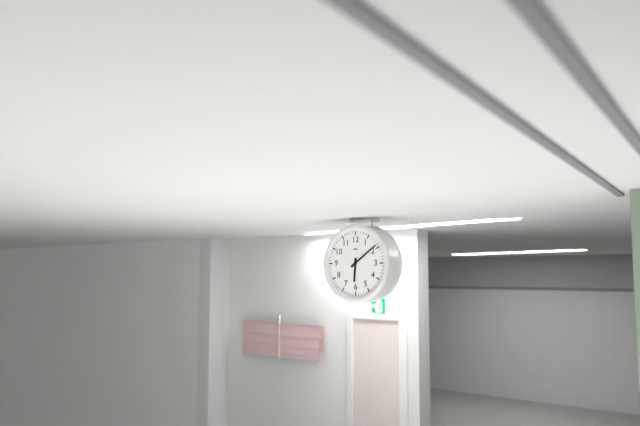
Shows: h=6 m=9
